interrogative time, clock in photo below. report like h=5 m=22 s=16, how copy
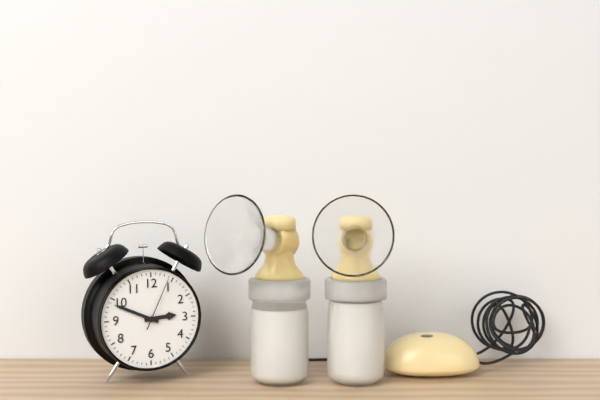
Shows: h=2 m=49 s=4
